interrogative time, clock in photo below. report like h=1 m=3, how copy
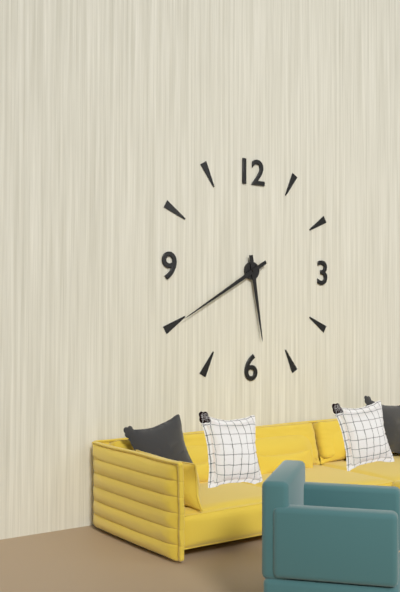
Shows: h=5 m=40
